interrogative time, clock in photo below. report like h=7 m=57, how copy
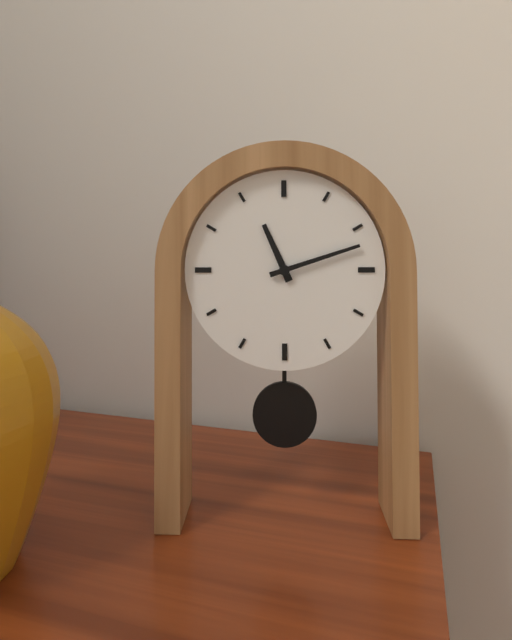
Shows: h=11 m=12
